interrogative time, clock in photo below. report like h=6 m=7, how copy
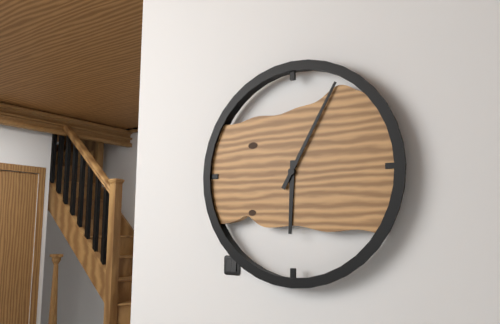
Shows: h=6 m=5
